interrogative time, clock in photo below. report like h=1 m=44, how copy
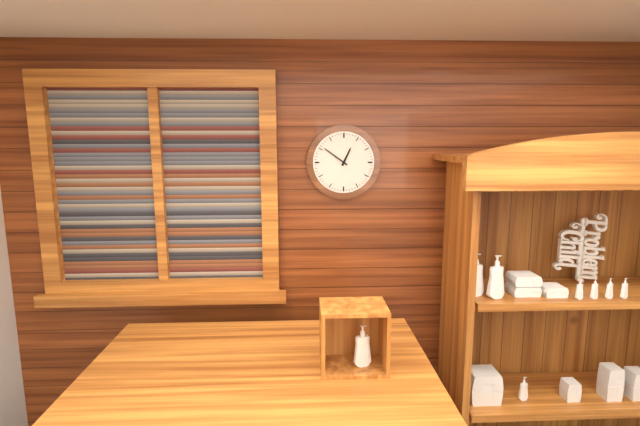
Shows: h=12 m=51
